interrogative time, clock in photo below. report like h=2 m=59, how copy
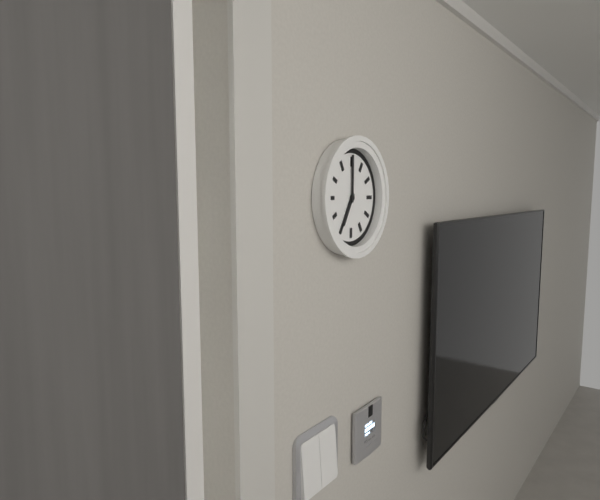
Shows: h=7 m=0
